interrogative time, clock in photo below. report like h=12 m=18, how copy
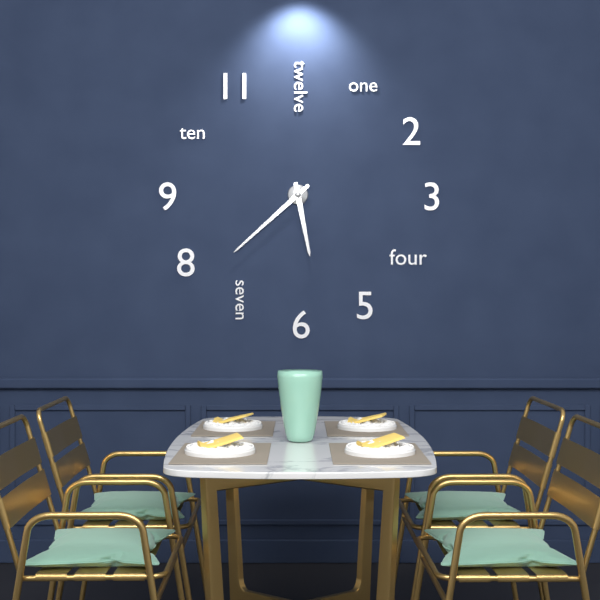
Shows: h=5 m=38
